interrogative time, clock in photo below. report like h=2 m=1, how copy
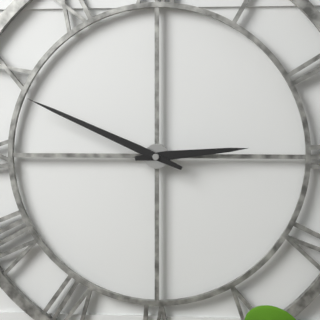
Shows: h=2 m=49
